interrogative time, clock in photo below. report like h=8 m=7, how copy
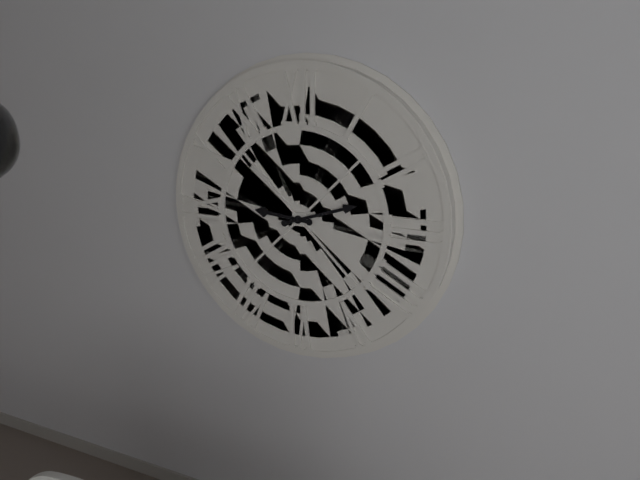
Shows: h=9 m=12
